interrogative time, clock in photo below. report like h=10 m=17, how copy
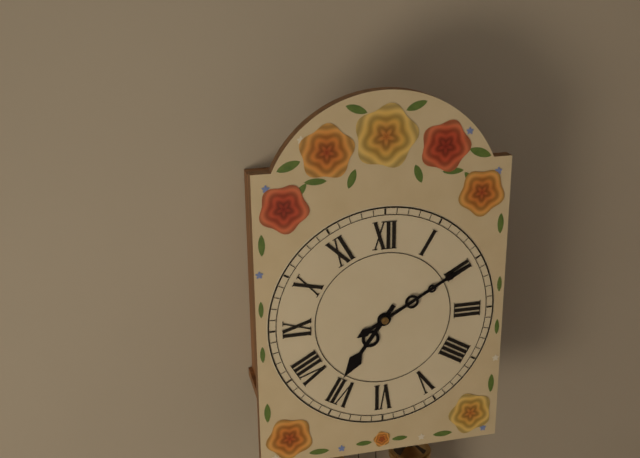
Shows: h=7 m=10
